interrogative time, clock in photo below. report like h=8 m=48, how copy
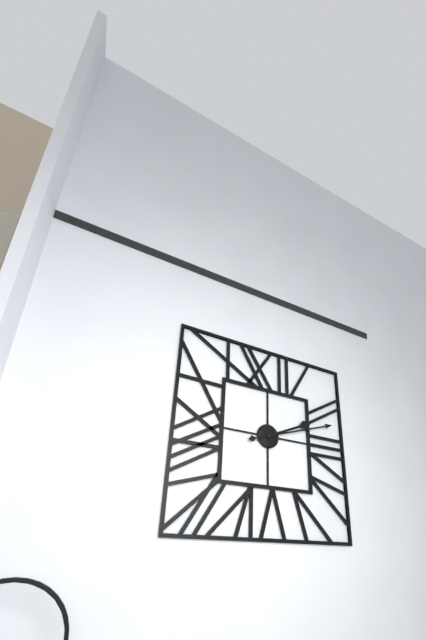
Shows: h=2 m=12
